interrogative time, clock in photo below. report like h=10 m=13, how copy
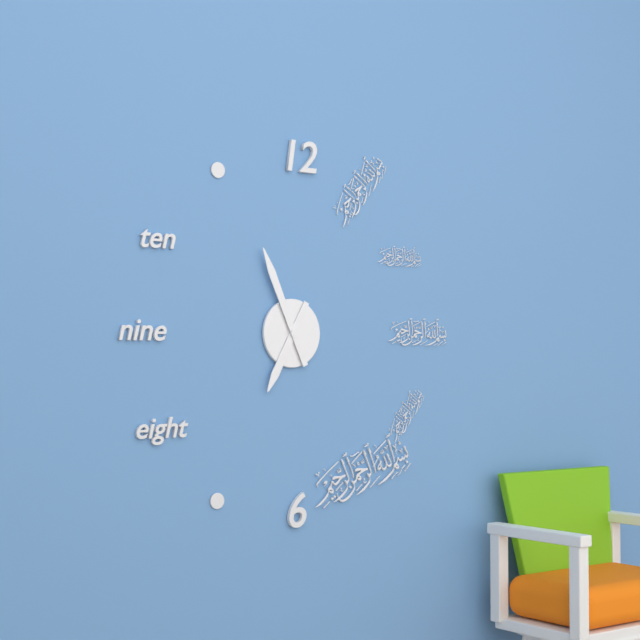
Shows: h=6 m=56
